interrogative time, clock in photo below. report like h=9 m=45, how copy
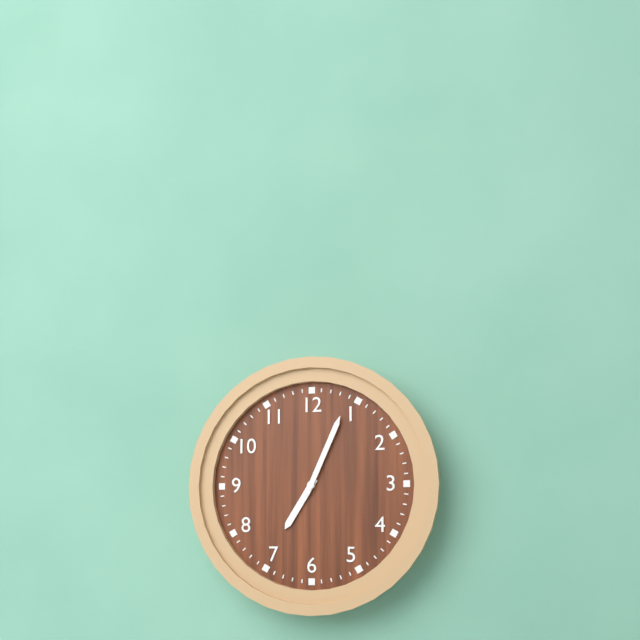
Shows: h=7 m=4
